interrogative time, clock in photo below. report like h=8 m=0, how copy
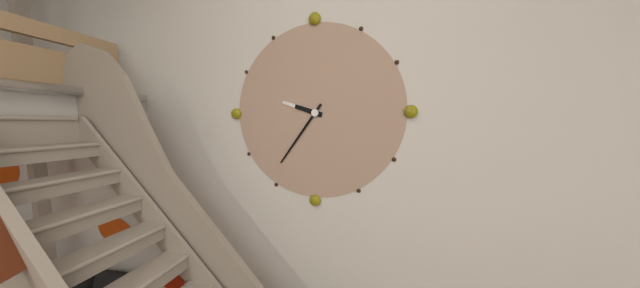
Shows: h=9 m=36
